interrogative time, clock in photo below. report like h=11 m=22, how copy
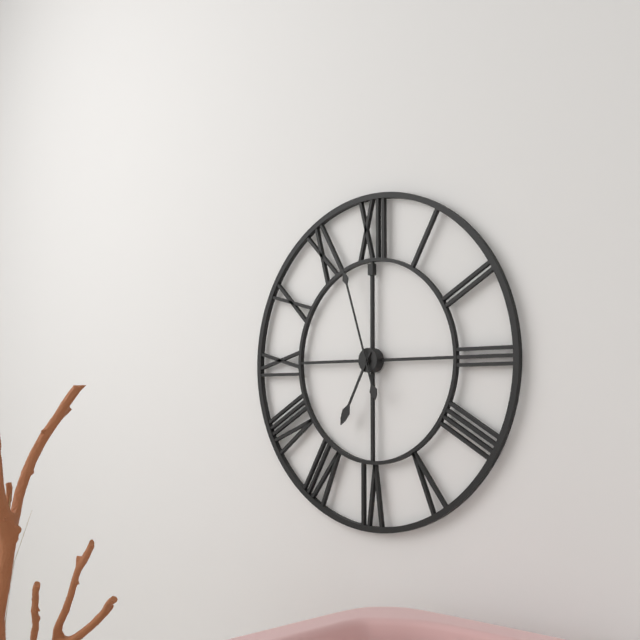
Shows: h=6 m=57
